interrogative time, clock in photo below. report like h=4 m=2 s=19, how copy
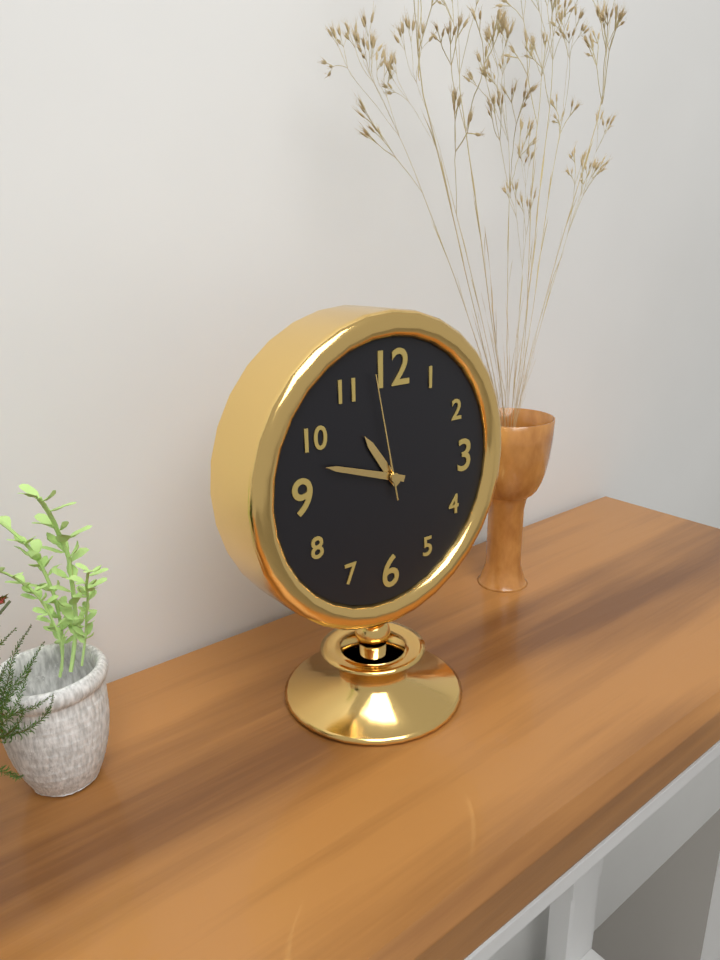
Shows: h=10 m=48 s=58
